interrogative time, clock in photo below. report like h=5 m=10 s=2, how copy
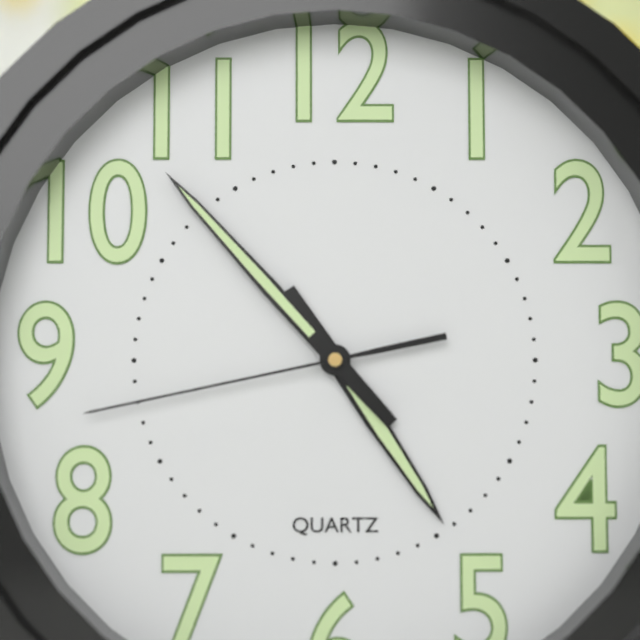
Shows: h=4 m=53 s=43
